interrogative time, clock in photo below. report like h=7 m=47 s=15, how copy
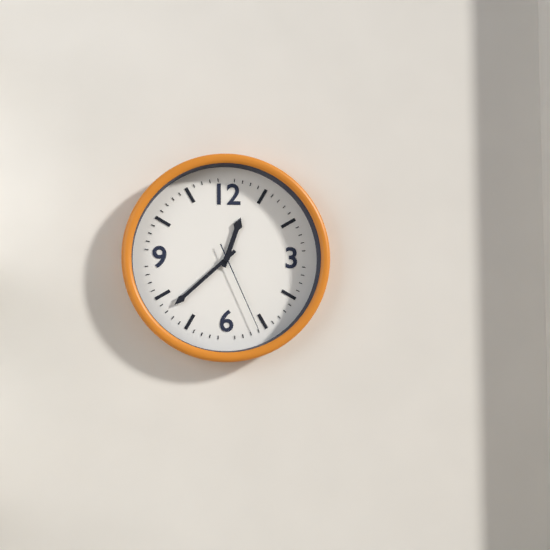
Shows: h=12 m=38 s=26
